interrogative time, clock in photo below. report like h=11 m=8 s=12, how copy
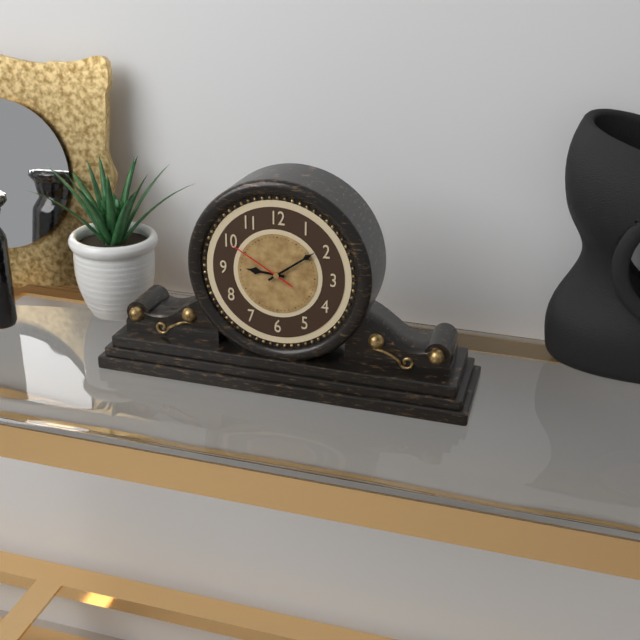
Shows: h=9 m=9 s=50
